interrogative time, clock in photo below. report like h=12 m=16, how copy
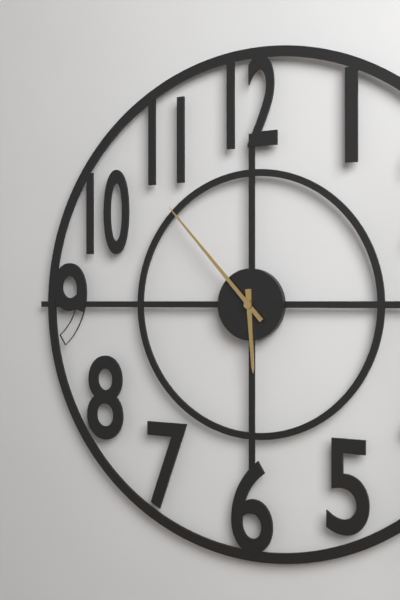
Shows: h=5 m=53
